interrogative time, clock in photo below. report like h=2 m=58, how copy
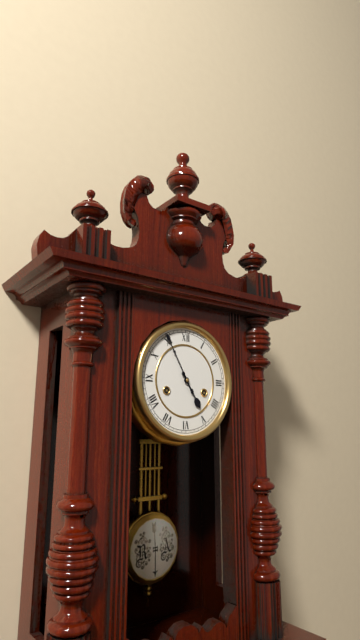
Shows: h=4 m=55
